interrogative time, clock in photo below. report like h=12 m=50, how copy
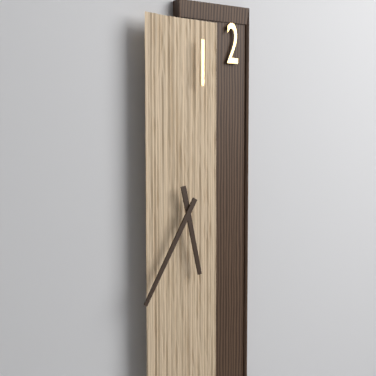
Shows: h=5 m=35
